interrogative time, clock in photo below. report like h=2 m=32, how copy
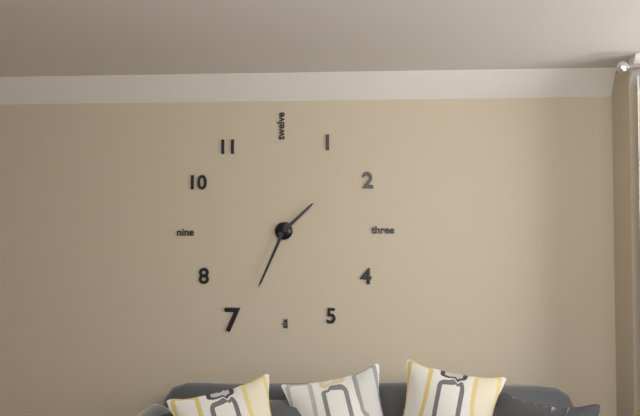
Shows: h=1 m=34
